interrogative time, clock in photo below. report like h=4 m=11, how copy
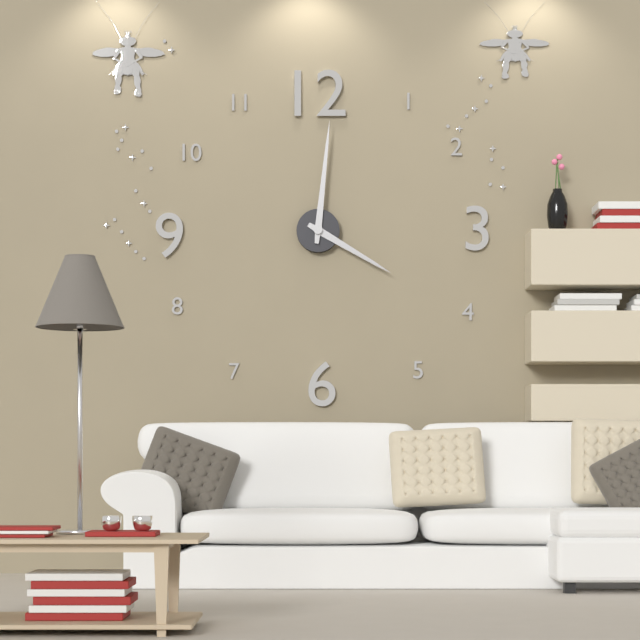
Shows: h=4 m=1
